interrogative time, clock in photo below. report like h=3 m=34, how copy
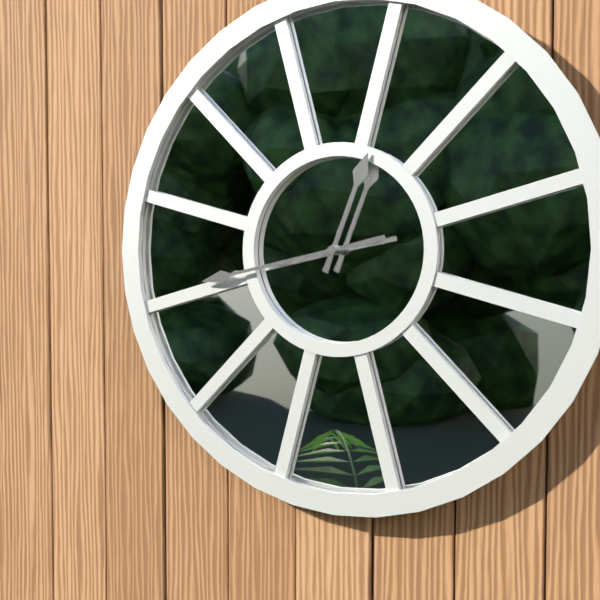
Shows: h=12 m=43
